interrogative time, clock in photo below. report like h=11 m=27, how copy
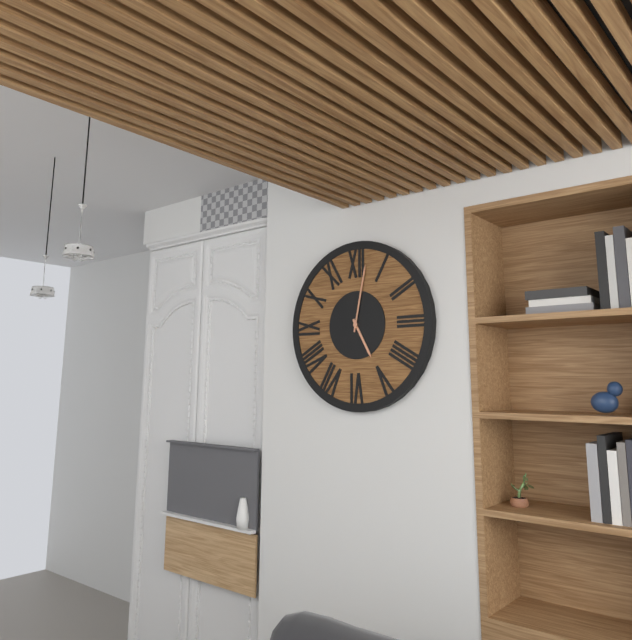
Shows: h=5 m=2
